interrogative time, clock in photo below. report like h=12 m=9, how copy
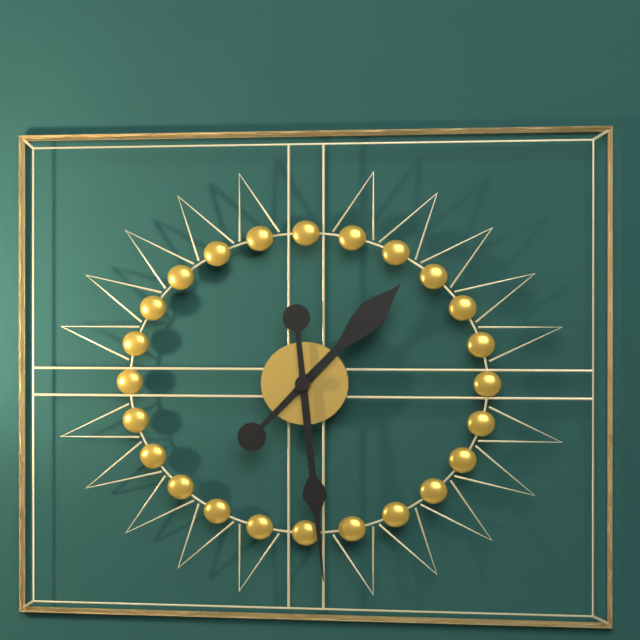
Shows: h=1 m=29
